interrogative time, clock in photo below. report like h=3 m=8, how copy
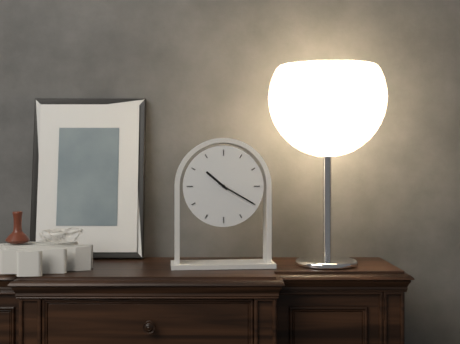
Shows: h=10 m=20
